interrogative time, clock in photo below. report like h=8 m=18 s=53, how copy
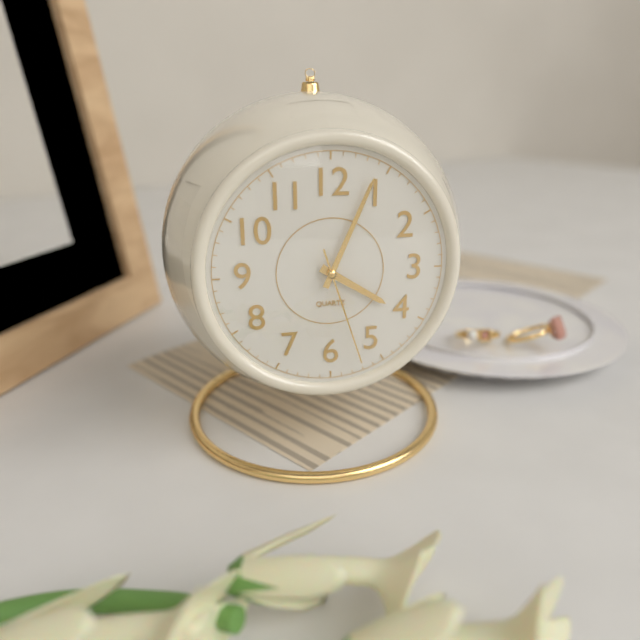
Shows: h=4 m=4 s=27
